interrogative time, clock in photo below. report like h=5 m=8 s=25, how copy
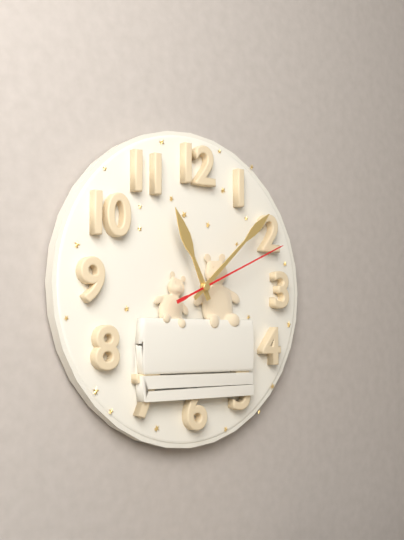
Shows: h=11 m=8 s=11
